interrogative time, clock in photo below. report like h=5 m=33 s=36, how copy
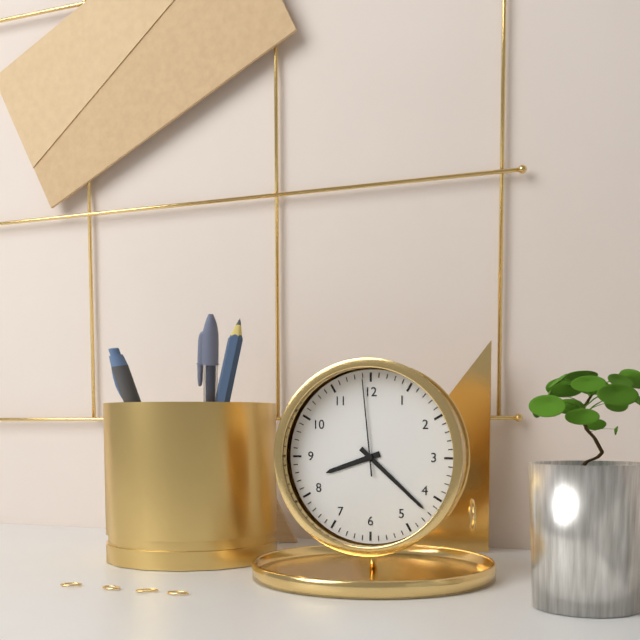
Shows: h=8 m=22 s=59
